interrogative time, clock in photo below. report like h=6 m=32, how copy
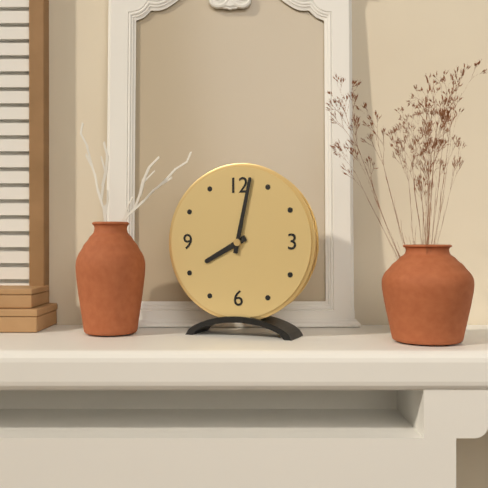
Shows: h=8 m=2
